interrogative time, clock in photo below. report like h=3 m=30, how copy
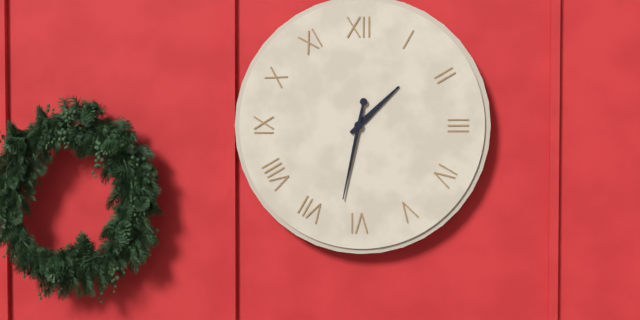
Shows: h=1 m=32
